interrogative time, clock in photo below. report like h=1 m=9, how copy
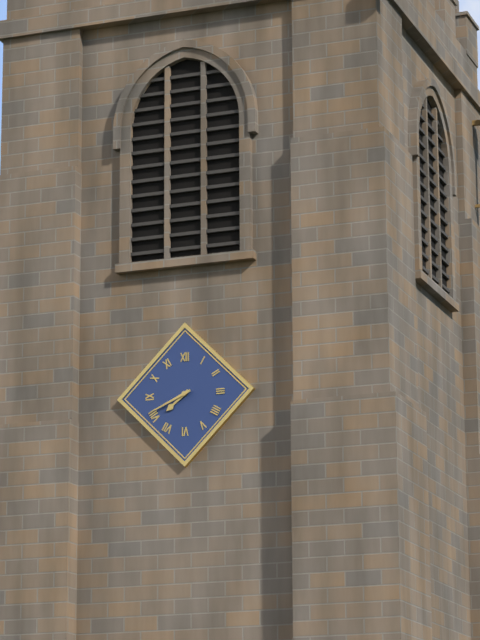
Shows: h=7 m=41
